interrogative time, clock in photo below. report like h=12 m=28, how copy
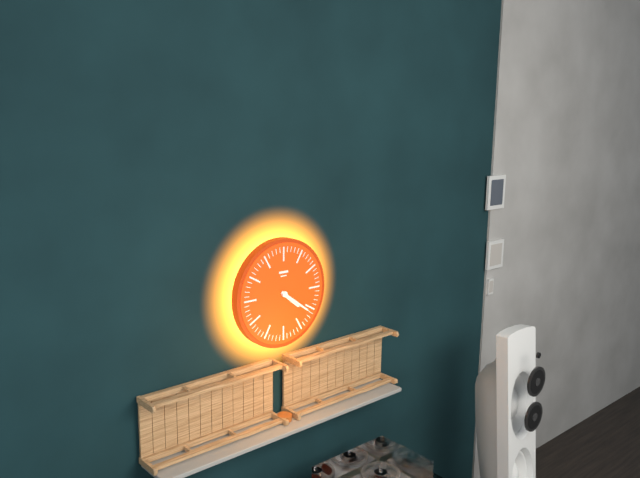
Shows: h=4 m=21
